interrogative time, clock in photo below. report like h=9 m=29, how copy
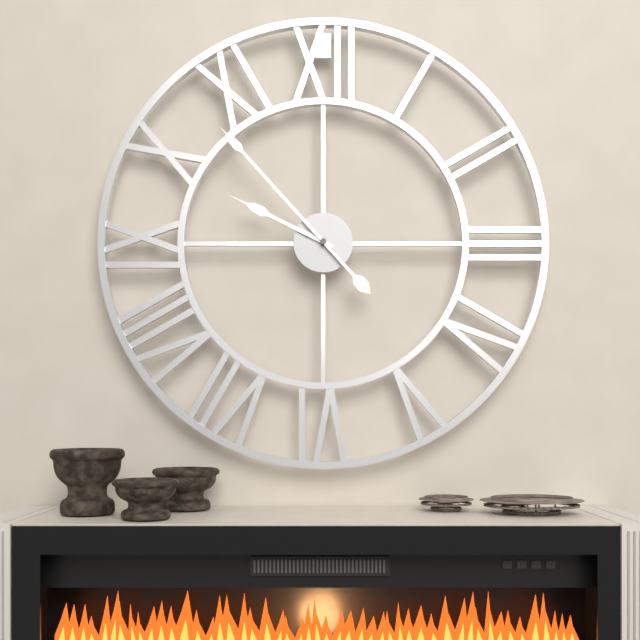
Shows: h=9 m=53
